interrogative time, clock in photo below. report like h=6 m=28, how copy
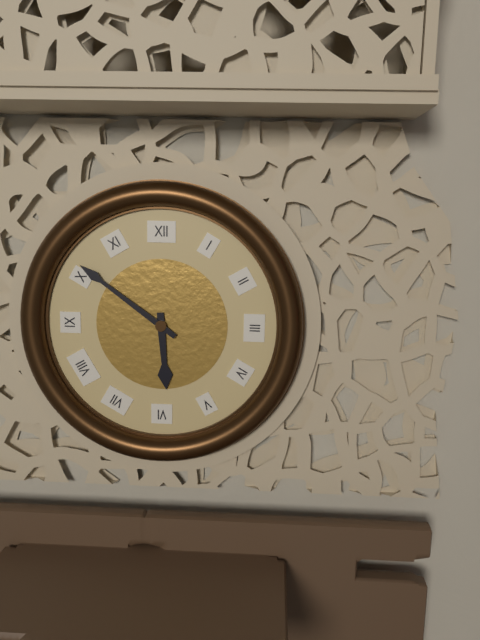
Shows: h=5 m=51
